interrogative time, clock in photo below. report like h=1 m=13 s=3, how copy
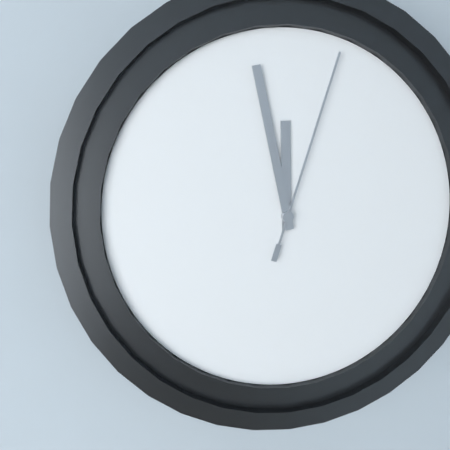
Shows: h=11 m=58 s=3
